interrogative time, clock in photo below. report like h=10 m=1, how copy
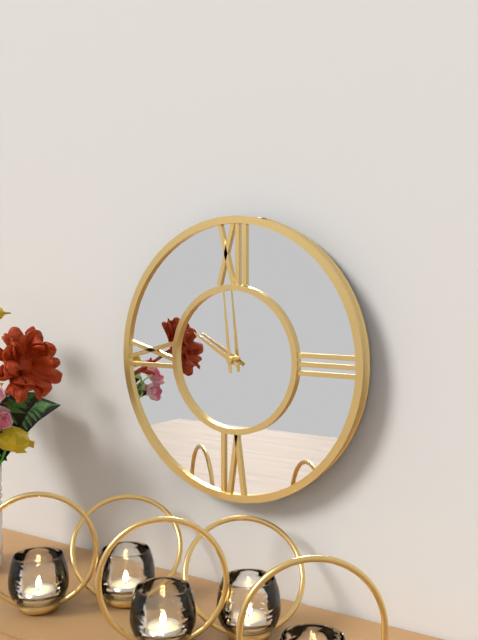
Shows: h=9 m=59
